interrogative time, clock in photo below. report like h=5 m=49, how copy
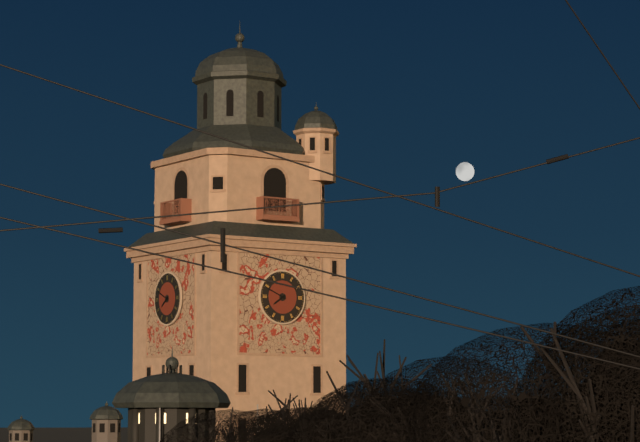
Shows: h=7 m=49
